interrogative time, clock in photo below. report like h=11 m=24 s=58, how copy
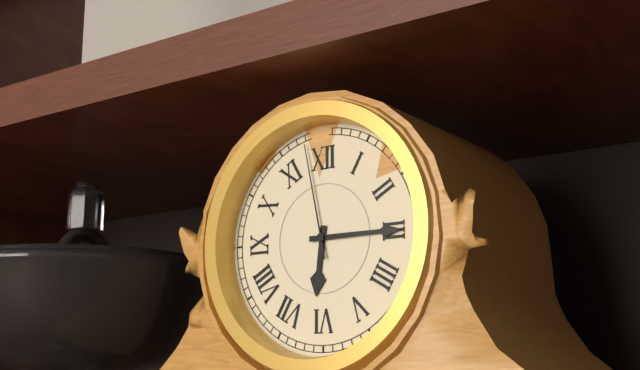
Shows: h=6 m=15 s=58
